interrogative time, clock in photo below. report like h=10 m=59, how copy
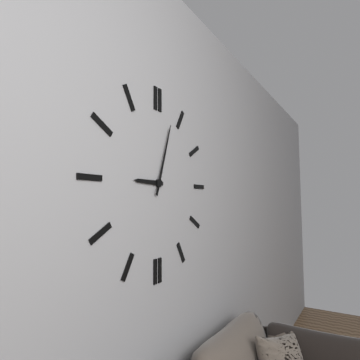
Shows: h=9 m=3
